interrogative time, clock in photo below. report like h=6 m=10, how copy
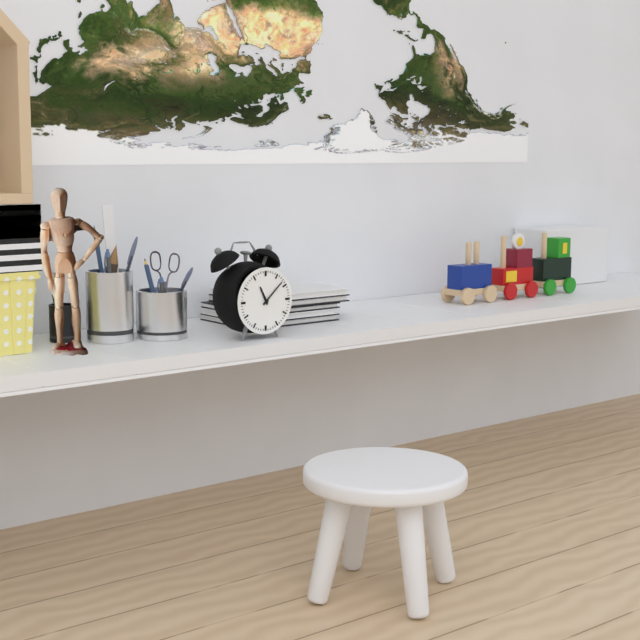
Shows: h=11 m=8
